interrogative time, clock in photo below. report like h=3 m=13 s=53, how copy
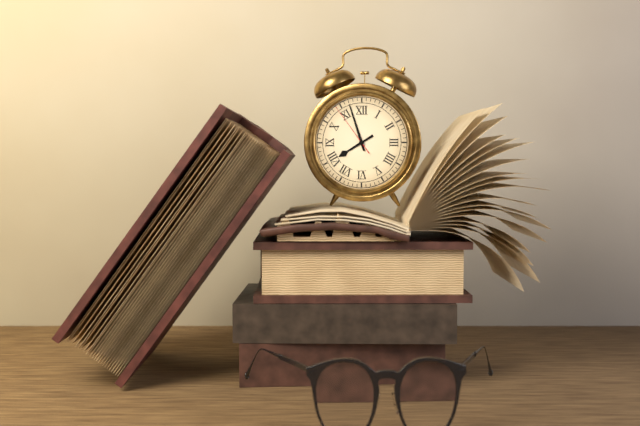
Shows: h=7 m=57 s=54
